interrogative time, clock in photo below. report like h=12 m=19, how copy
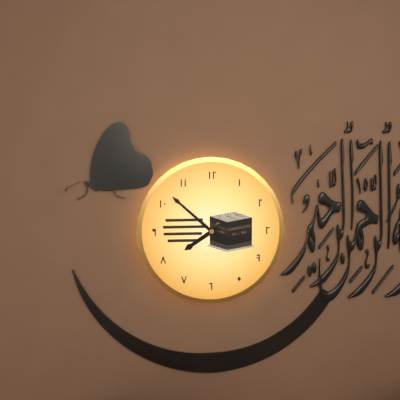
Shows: h=7 m=52
